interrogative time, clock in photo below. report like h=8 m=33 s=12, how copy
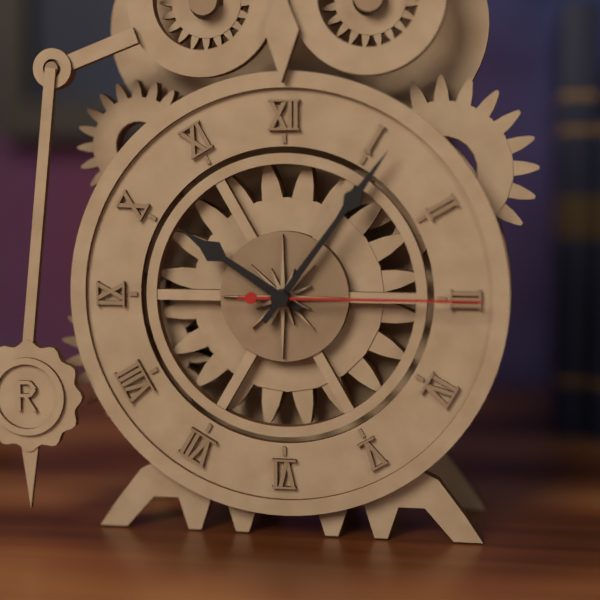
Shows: h=10 m=6 s=15
